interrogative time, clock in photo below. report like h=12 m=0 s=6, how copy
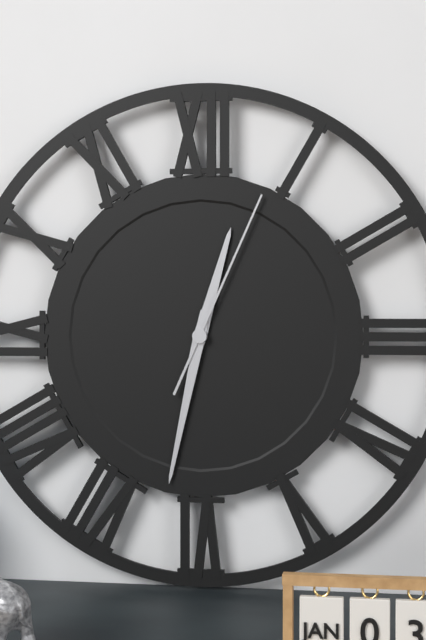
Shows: h=12 m=32 s=4
